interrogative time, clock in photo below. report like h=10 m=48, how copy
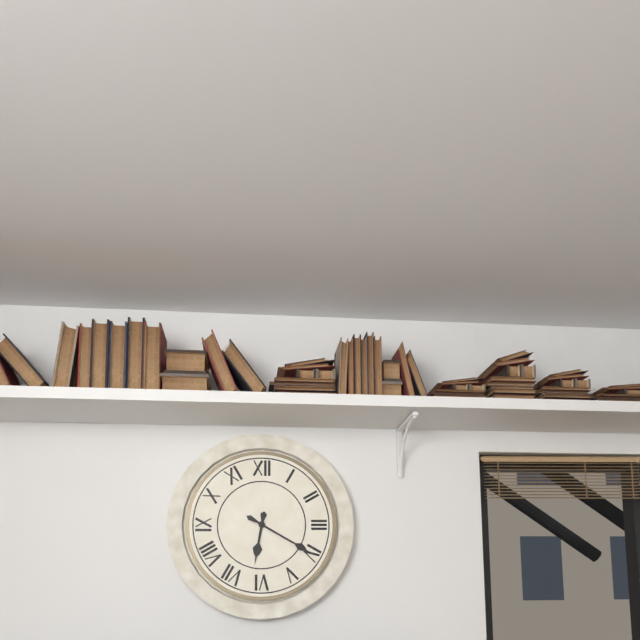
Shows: h=6 m=20
